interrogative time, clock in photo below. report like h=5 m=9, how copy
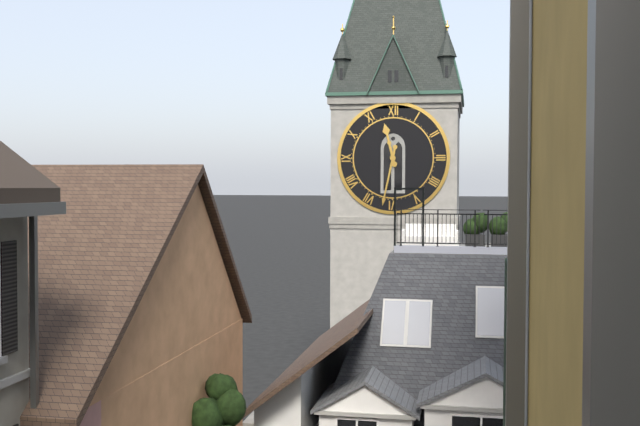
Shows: h=11 m=32
